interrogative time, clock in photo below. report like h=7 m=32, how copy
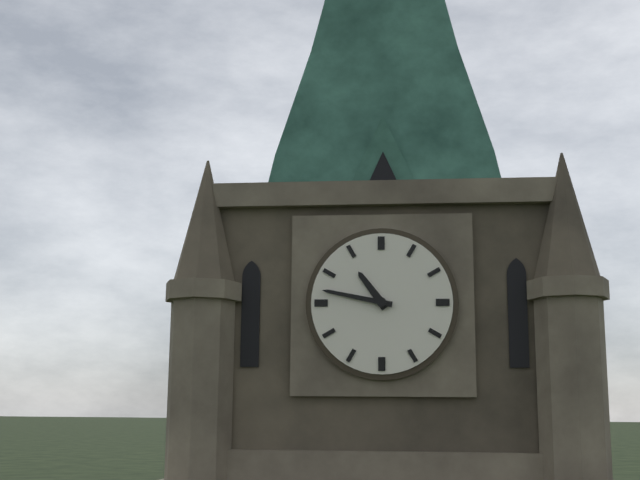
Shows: h=10 m=47
